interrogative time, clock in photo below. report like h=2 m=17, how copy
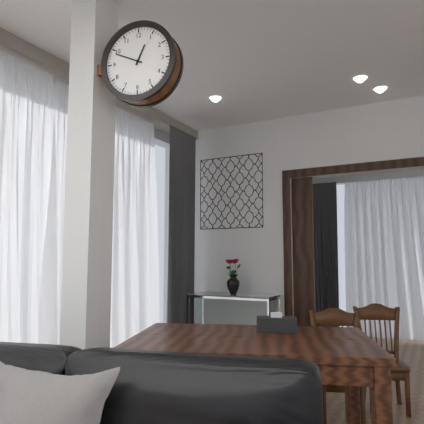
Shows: h=12 m=49
